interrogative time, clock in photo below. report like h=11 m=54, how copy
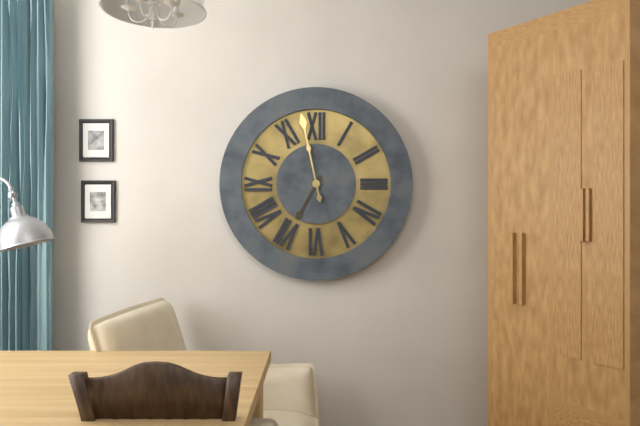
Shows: h=6 m=58
